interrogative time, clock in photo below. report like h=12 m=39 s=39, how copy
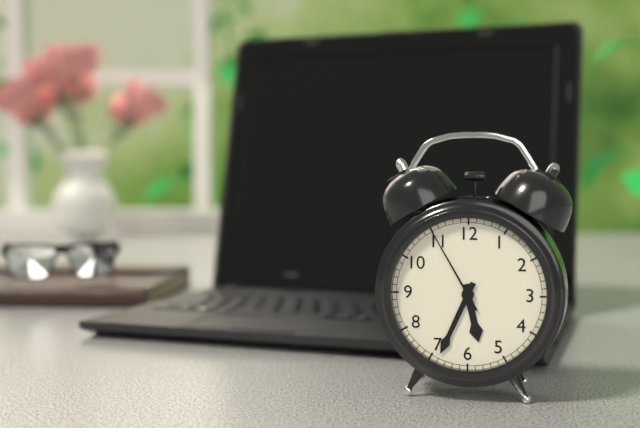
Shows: h=5 m=34 s=55
